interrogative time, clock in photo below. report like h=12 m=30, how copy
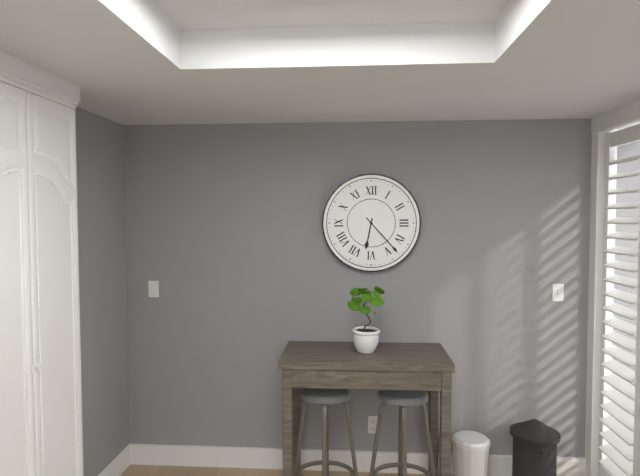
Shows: h=6 m=23
